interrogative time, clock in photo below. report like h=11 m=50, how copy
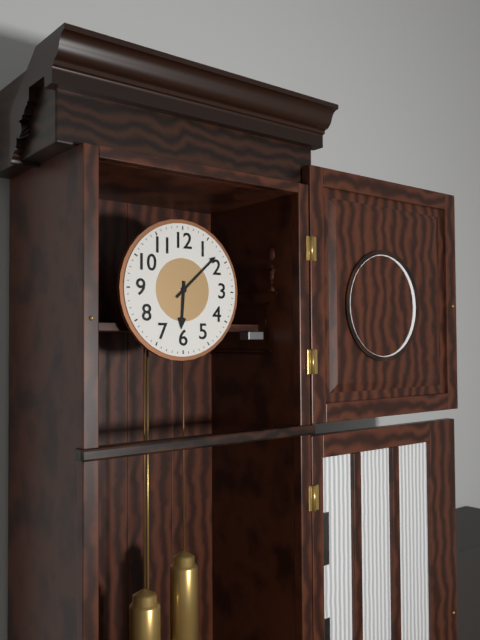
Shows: h=6 m=8
